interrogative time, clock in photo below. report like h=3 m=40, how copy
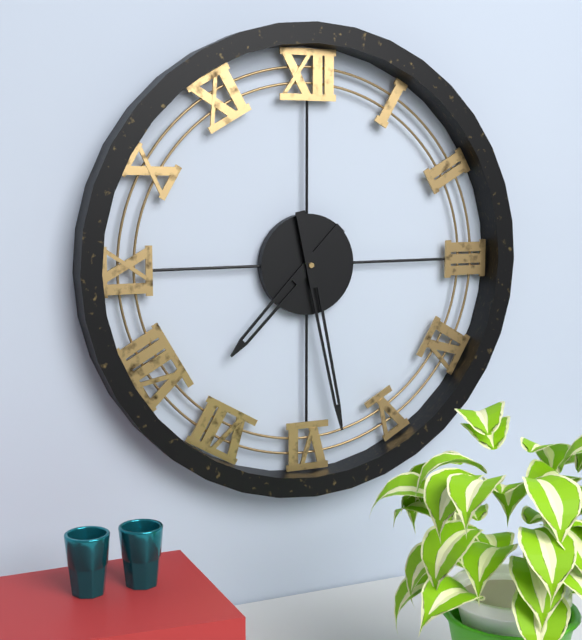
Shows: h=7 m=28
